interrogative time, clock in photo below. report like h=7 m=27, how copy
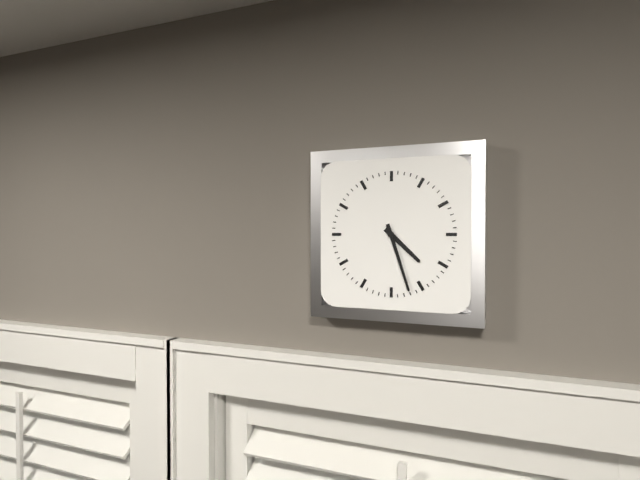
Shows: h=4 m=27
